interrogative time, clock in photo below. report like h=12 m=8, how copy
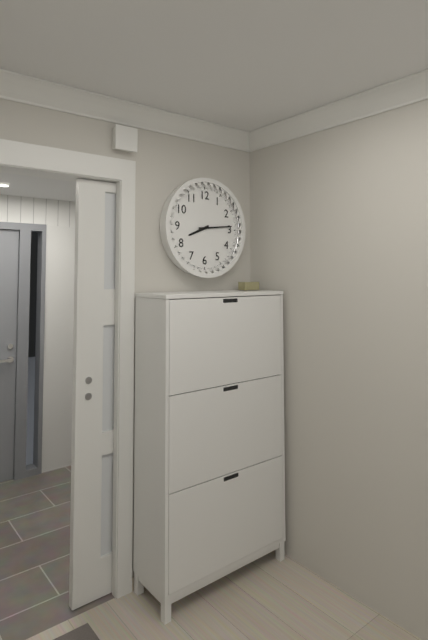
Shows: h=8 m=14
